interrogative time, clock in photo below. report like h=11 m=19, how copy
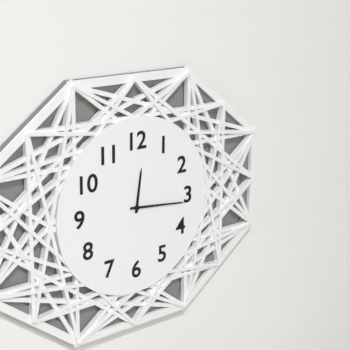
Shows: h=12 m=16
